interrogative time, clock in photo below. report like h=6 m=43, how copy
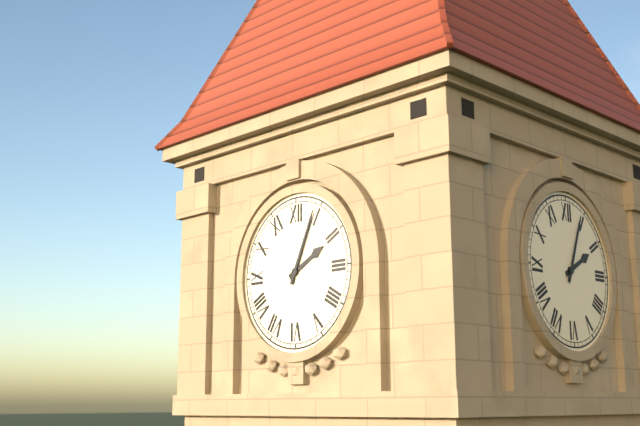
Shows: h=2 m=4
